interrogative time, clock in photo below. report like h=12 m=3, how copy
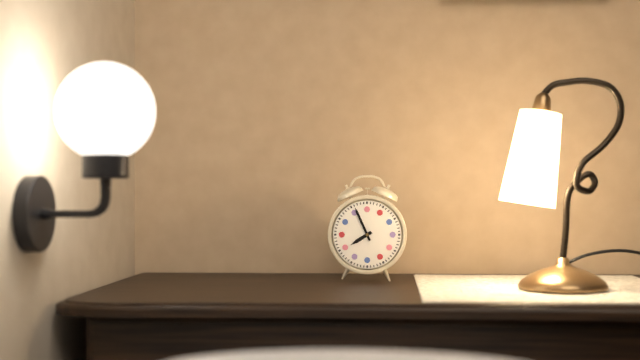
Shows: h=7 m=56
